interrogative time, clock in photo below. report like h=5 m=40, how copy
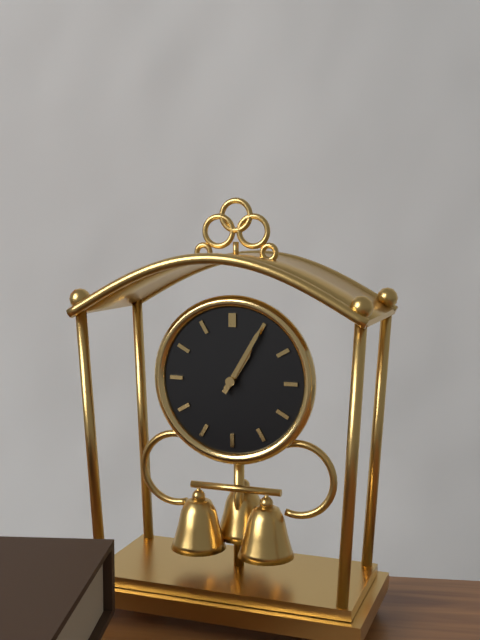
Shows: h=1 m=5
